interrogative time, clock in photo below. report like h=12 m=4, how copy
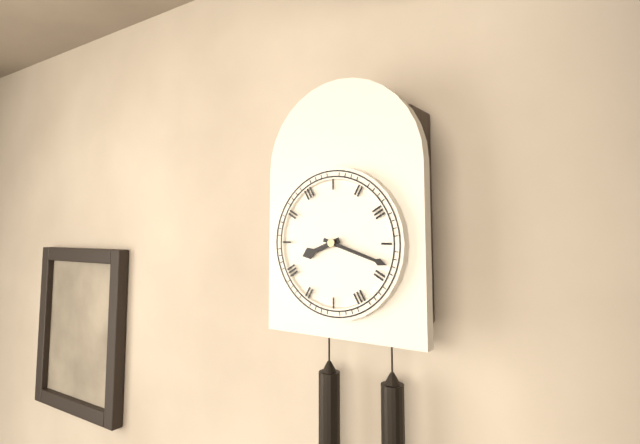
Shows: h=8 m=18
